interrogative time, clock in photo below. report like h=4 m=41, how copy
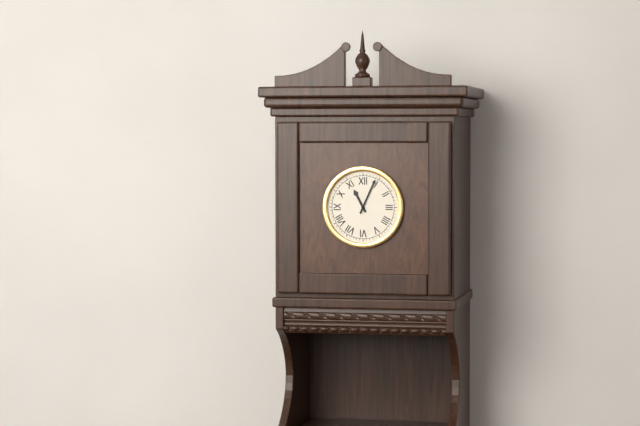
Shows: h=11 m=4
